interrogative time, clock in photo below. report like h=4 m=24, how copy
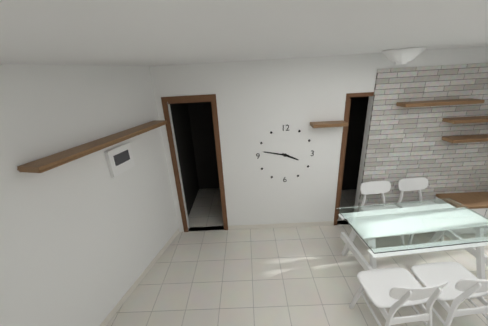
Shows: h=3 m=47
